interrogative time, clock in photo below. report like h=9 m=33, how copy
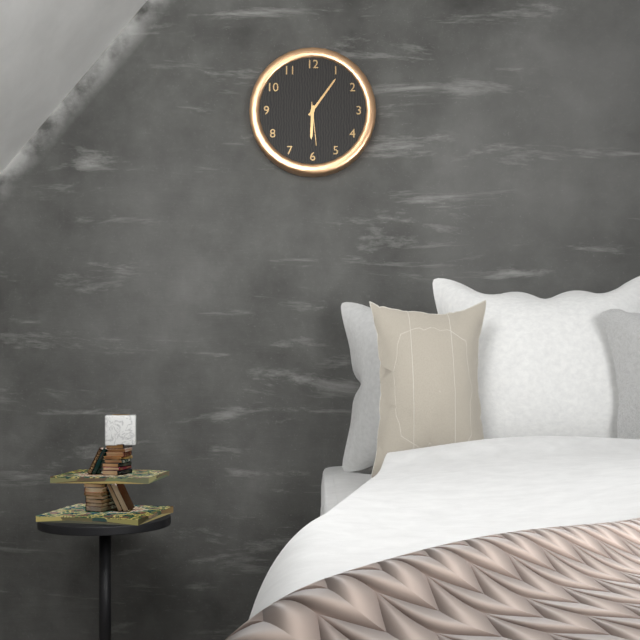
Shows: h=6 m=6
